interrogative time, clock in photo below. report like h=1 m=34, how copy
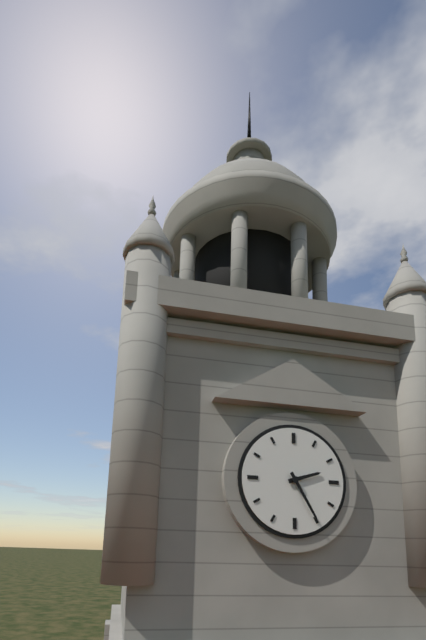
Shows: h=2 m=25
